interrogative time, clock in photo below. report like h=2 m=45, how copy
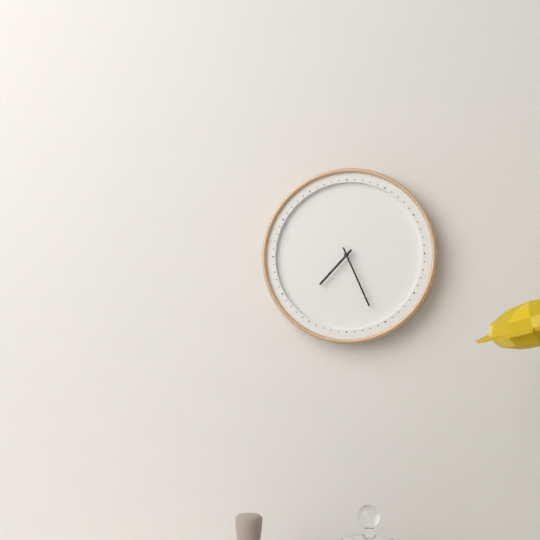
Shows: h=7 m=26
